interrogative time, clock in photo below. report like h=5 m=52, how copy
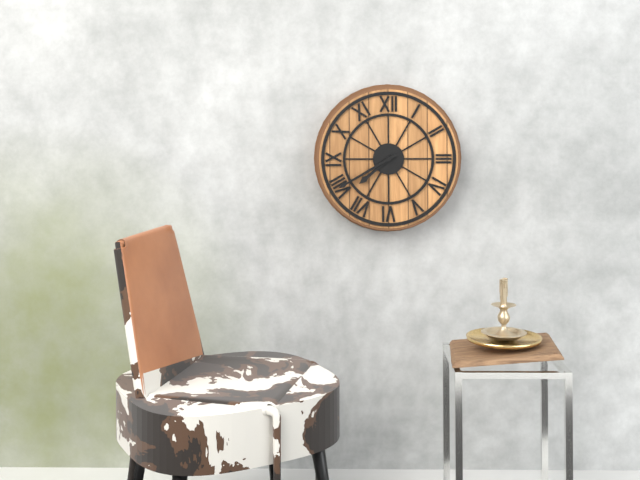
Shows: h=7 m=40
